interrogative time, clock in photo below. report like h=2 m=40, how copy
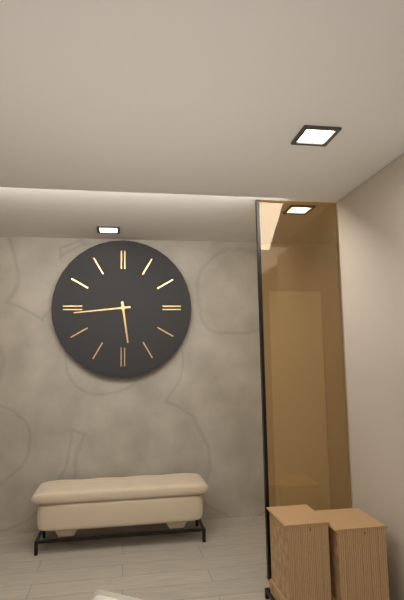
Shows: h=5 m=44
